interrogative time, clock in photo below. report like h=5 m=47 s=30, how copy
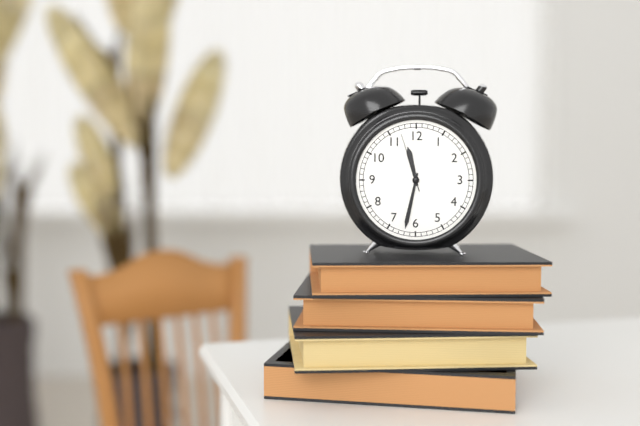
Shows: h=11 m=32 s=57
